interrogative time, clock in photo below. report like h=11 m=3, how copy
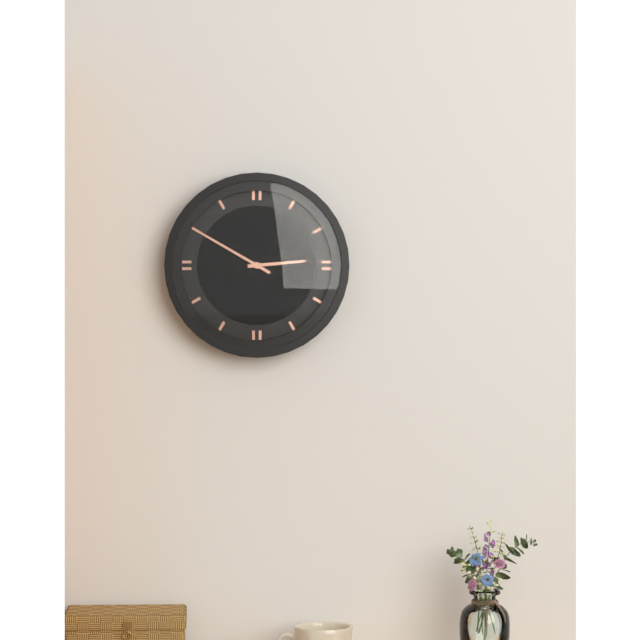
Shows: h=2 m=50
